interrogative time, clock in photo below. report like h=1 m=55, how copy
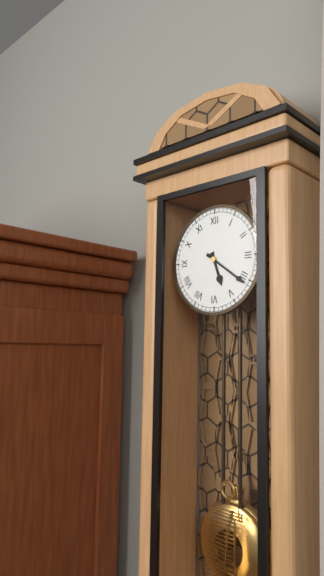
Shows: h=5 m=21
